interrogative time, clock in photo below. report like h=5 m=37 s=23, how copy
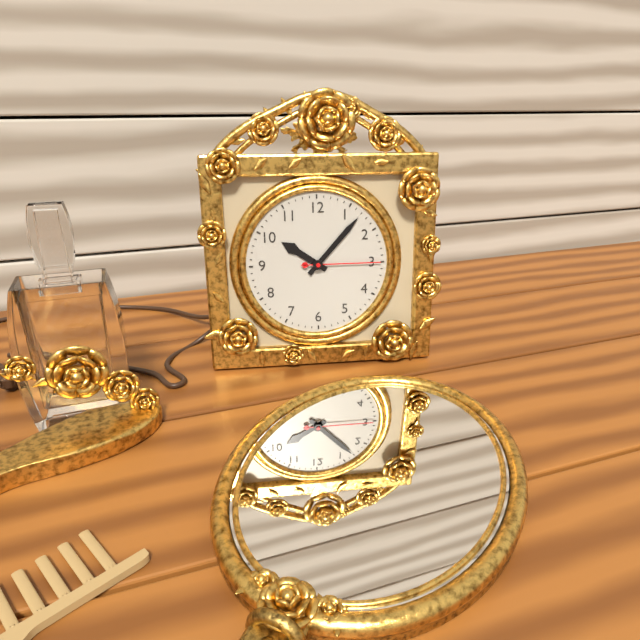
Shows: h=10 m=7 s=15
